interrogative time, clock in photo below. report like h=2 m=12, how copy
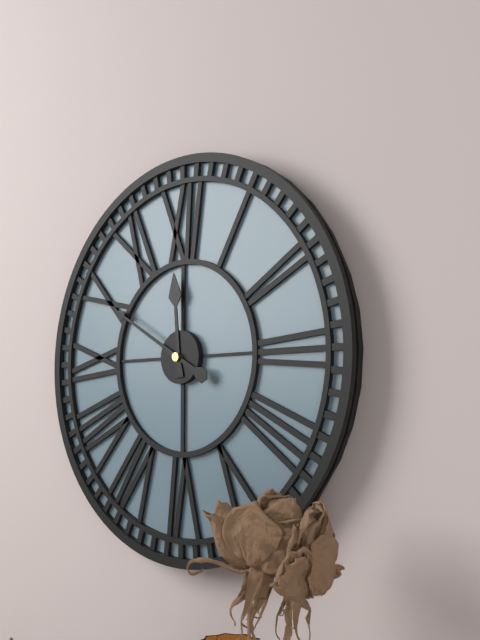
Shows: h=11 m=50
